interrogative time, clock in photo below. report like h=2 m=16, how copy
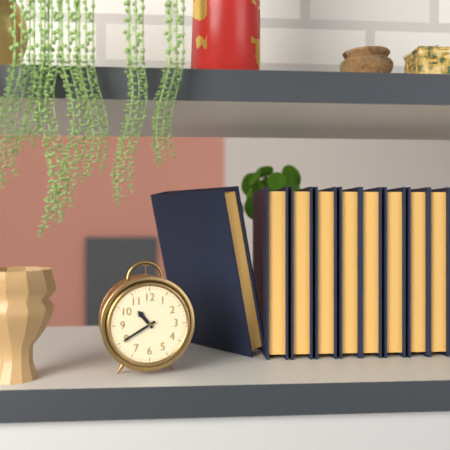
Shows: h=10 m=40
